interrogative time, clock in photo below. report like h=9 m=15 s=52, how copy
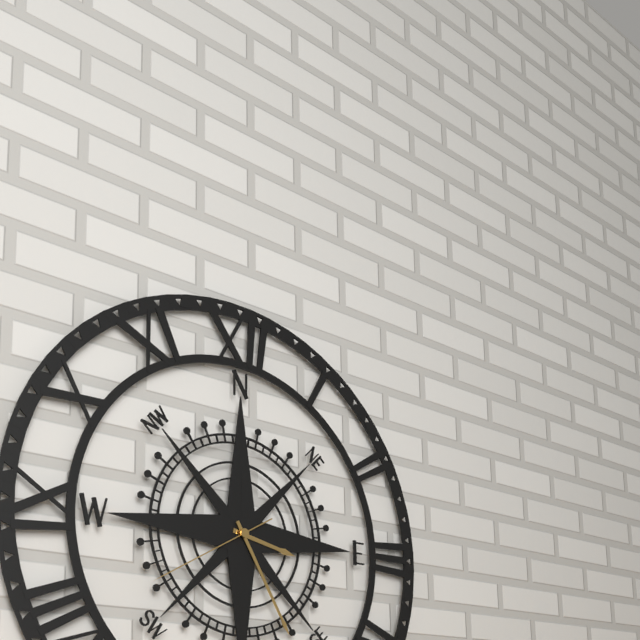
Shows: h=3 m=25 s=40
